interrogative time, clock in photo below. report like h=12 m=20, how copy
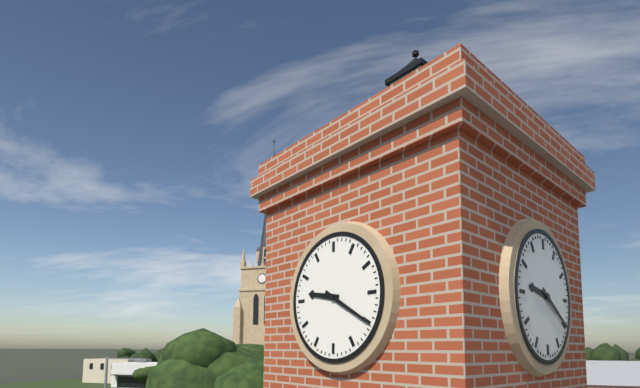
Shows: h=9 m=20
